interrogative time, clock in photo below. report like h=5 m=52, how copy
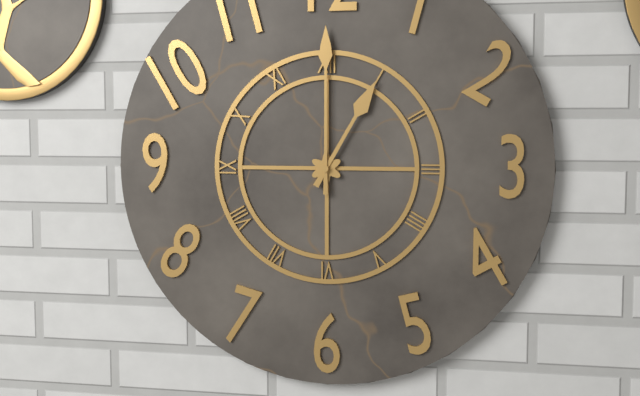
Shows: h=1 m=0
